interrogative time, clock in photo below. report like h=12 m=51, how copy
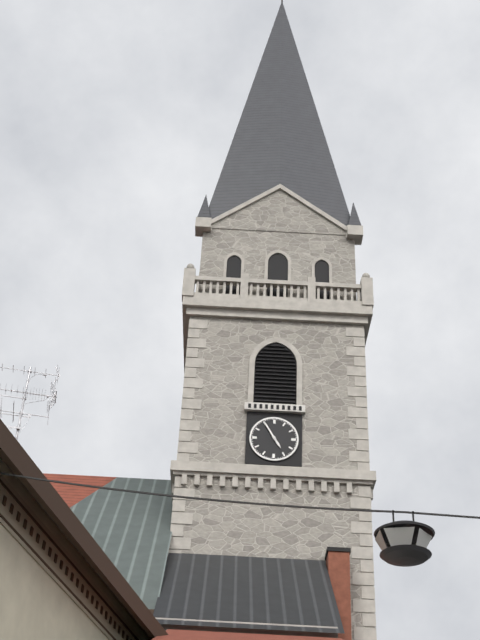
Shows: h=4 m=55
